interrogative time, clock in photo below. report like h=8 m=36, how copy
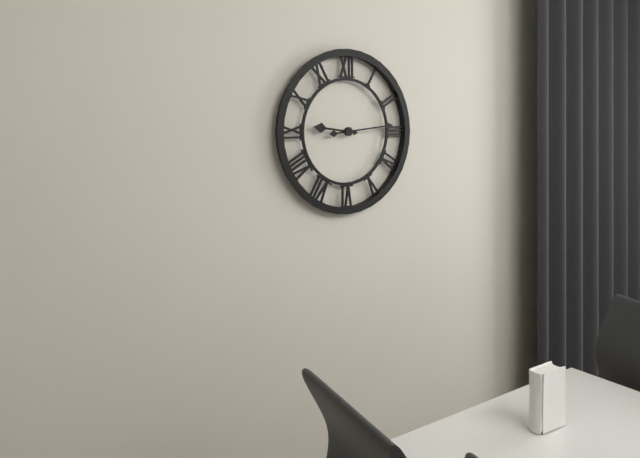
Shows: h=9 m=14
